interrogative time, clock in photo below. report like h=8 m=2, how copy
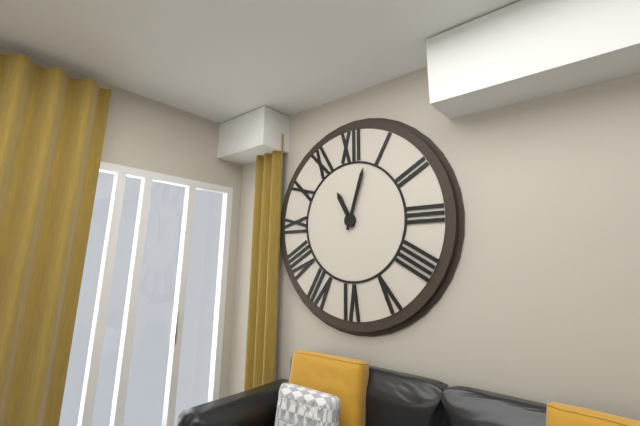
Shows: h=11 m=3
